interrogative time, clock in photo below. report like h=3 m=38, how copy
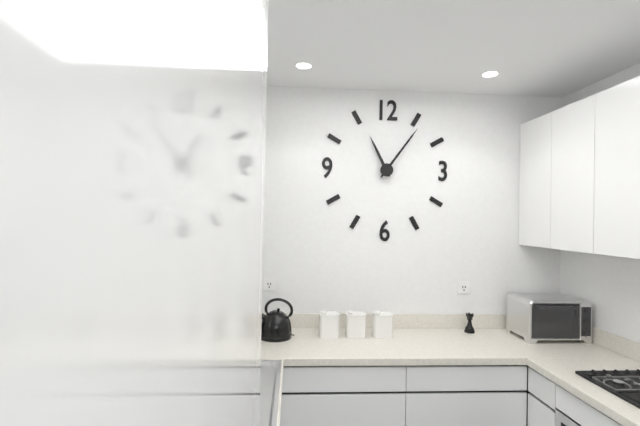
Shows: h=11 m=6
